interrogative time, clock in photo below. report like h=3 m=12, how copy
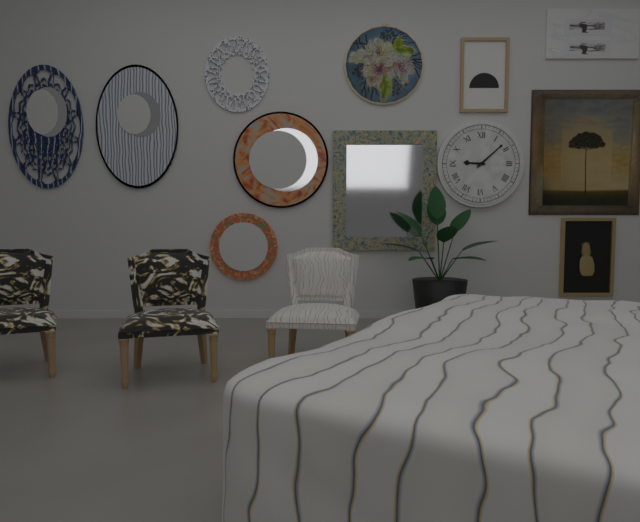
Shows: h=9 m=8
